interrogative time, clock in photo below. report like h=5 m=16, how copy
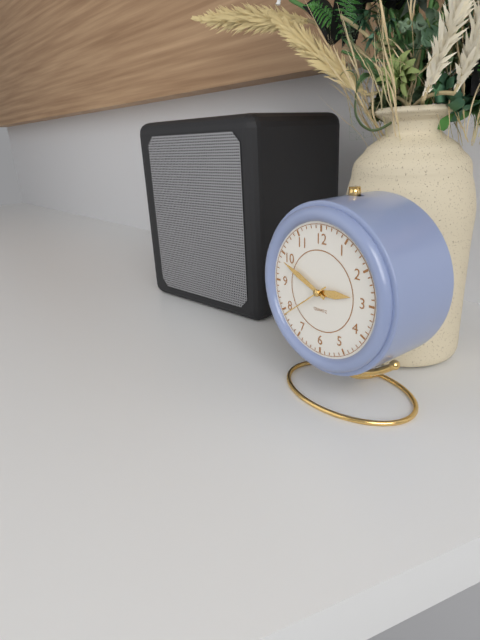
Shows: h=2 m=49
